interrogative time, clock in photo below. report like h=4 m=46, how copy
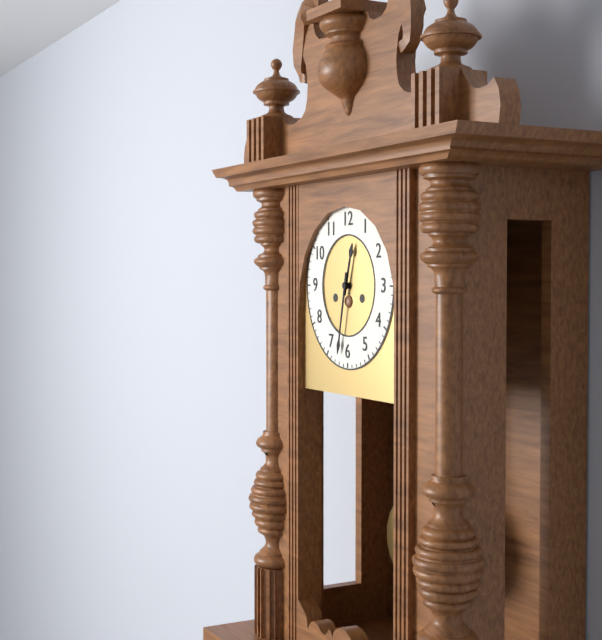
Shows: h=12 m=32
